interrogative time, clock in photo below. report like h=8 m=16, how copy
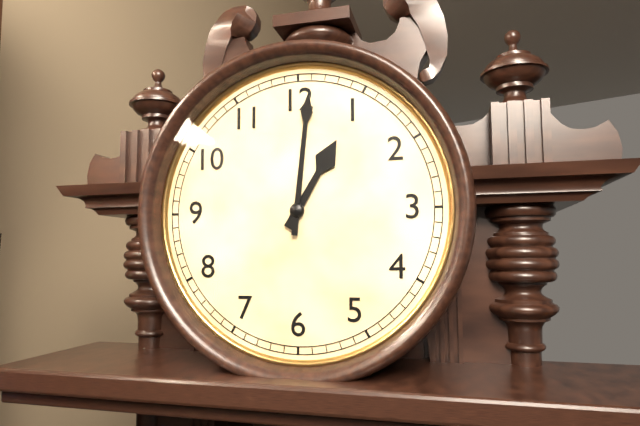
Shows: h=1 m=1
